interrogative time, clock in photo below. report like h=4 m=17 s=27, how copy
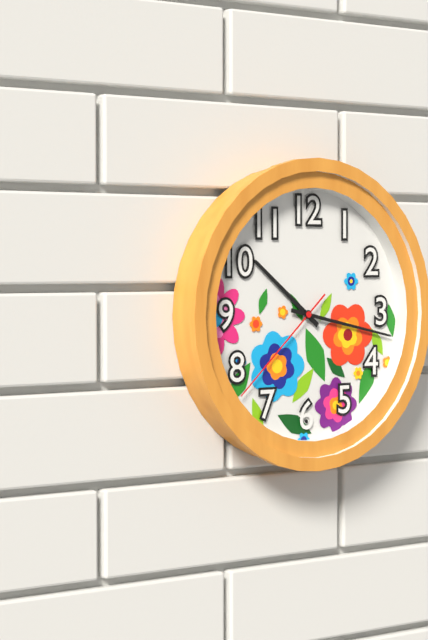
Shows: h=10 m=17 s=38
